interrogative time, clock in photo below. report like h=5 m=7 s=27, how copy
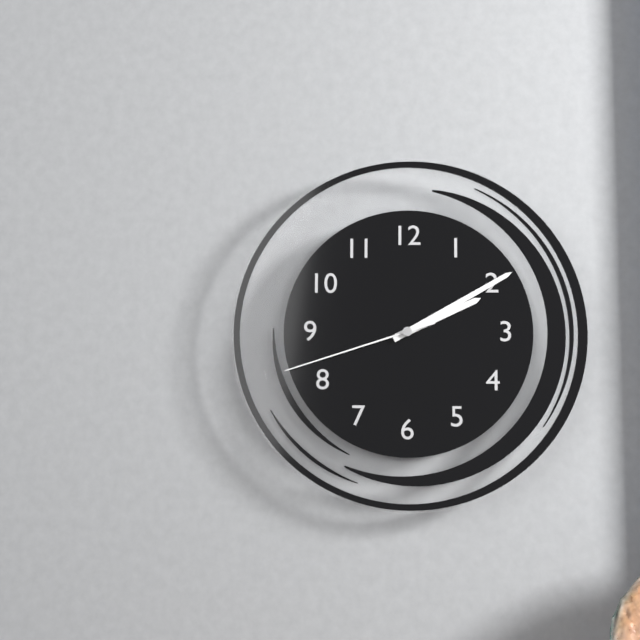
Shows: h=2 m=10 s=42
